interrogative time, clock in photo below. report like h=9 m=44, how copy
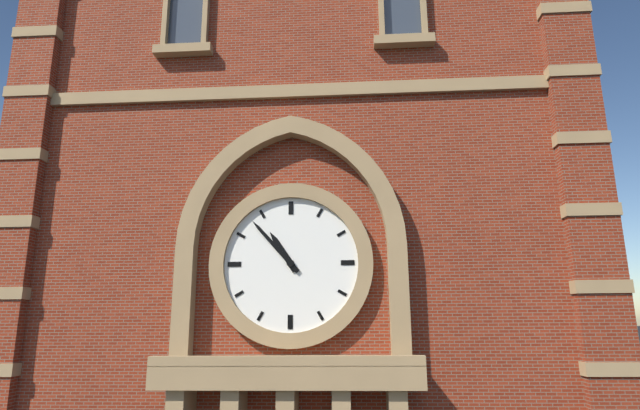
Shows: h=10 m=53
